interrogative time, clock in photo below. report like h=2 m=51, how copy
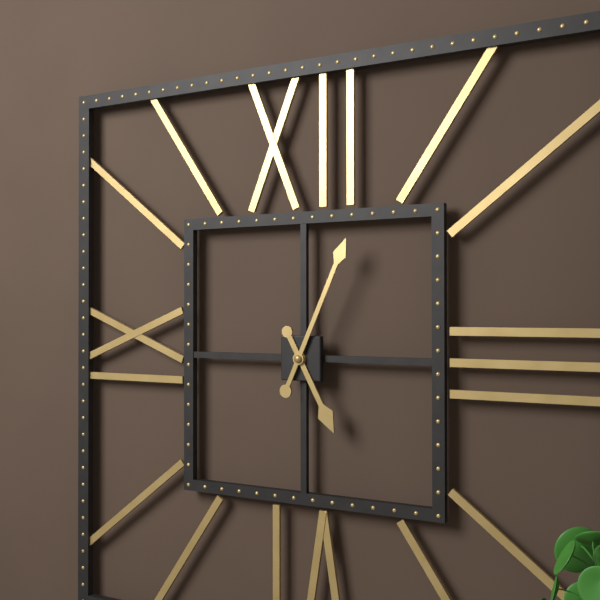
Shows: h=5 m=4
